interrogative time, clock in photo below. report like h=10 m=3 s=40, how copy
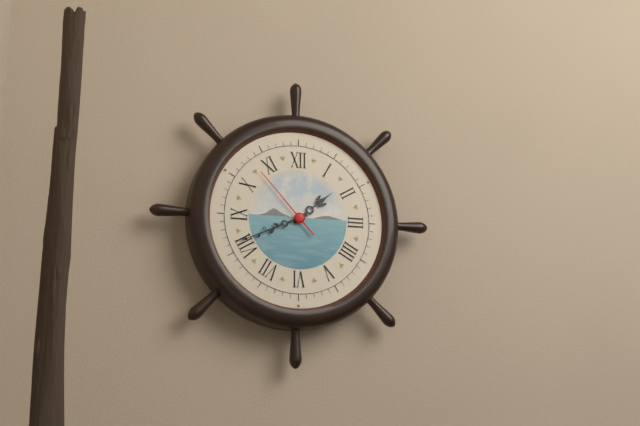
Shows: h=1 m=41 s=53
